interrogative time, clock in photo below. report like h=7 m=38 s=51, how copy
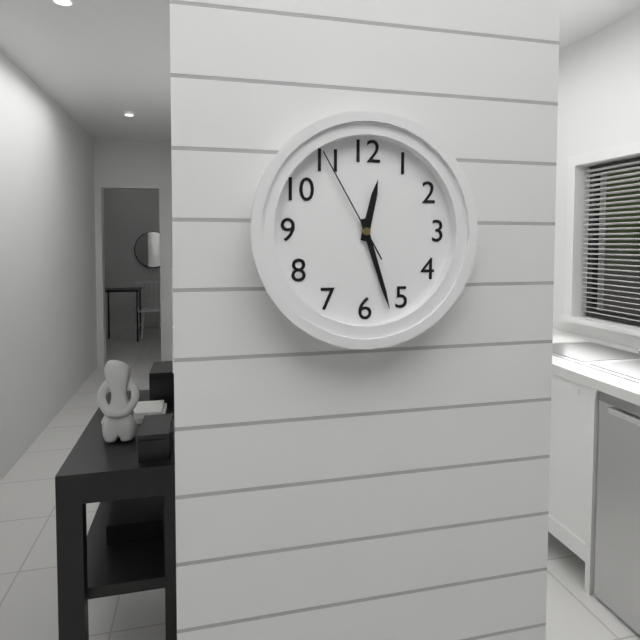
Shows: h=12 m=27 s=55
